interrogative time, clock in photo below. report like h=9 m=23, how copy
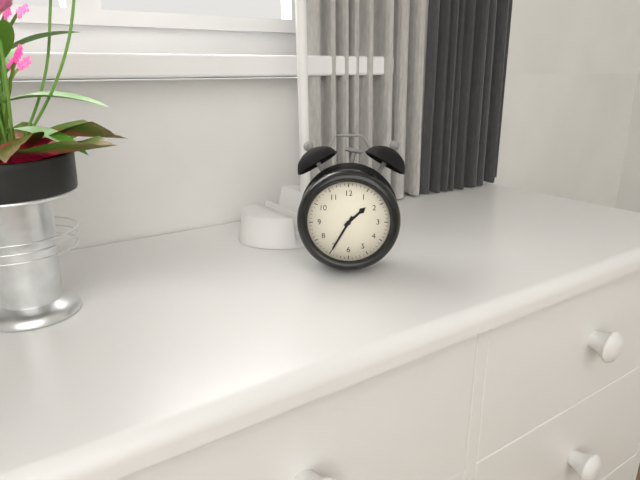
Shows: h=1 m=35
